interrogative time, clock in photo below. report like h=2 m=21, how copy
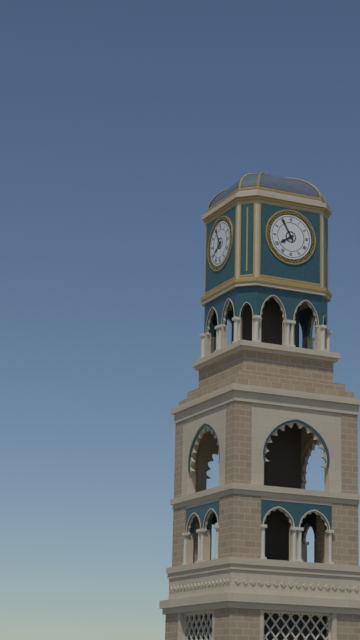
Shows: h=7 m=55
